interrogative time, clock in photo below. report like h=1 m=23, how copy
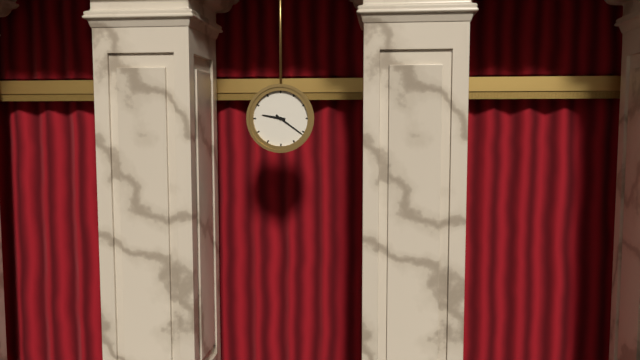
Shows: h=9 m=21
